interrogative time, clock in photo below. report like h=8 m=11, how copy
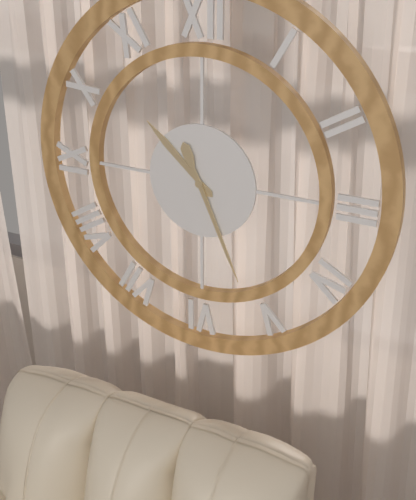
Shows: h=10 m=26
